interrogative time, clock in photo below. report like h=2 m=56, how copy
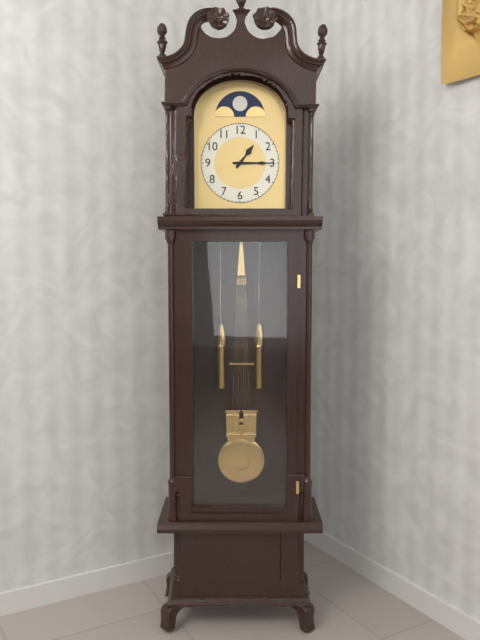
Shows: h=1 m=15
